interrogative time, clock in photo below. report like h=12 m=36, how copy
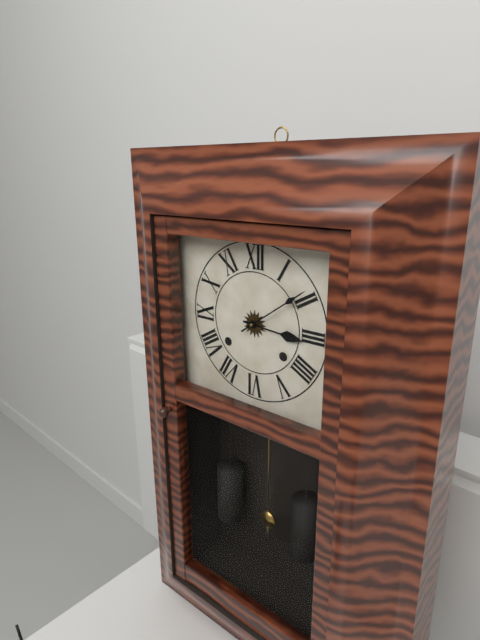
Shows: h=3 m=9
